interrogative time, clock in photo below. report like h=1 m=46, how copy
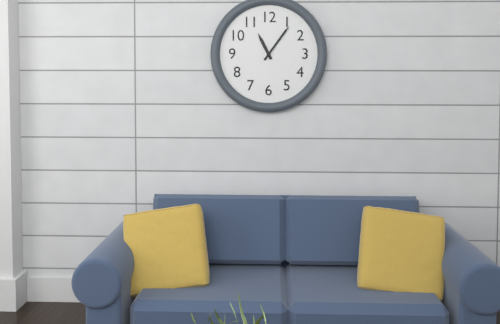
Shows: h=11 m=6
